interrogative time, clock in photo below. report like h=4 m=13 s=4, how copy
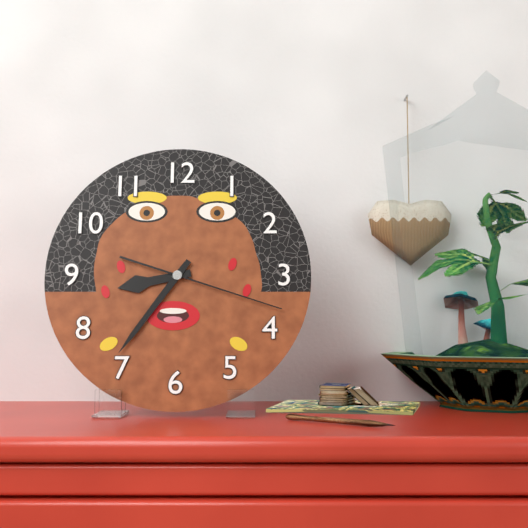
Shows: h=8 m=36 s=18
